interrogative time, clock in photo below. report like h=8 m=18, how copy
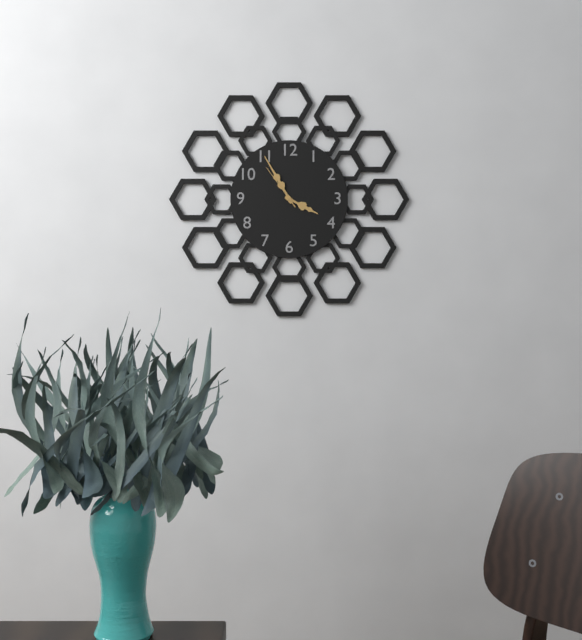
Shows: h=3 m=55
